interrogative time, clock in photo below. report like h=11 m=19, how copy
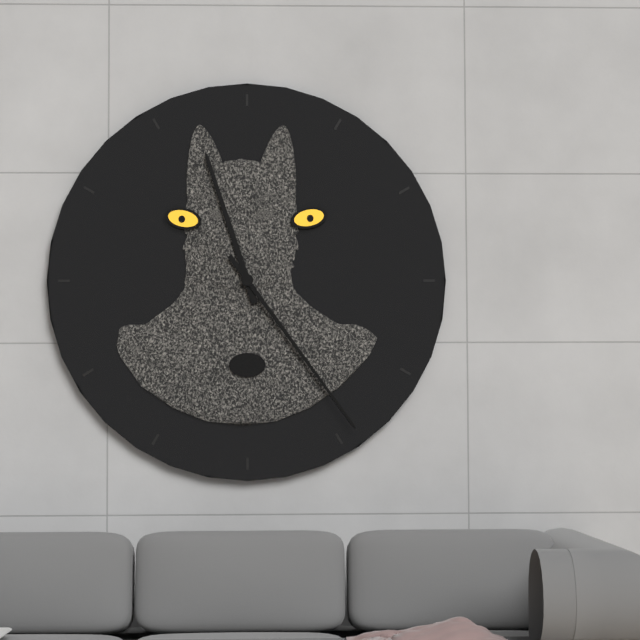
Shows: h=11 m=24
